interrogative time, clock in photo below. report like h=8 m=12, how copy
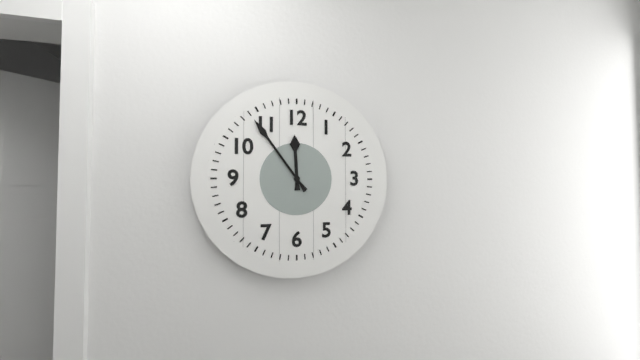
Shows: h=11 m=54
